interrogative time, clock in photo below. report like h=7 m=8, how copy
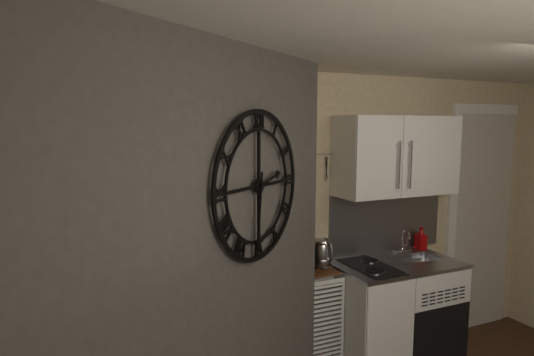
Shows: h=2 m=31
